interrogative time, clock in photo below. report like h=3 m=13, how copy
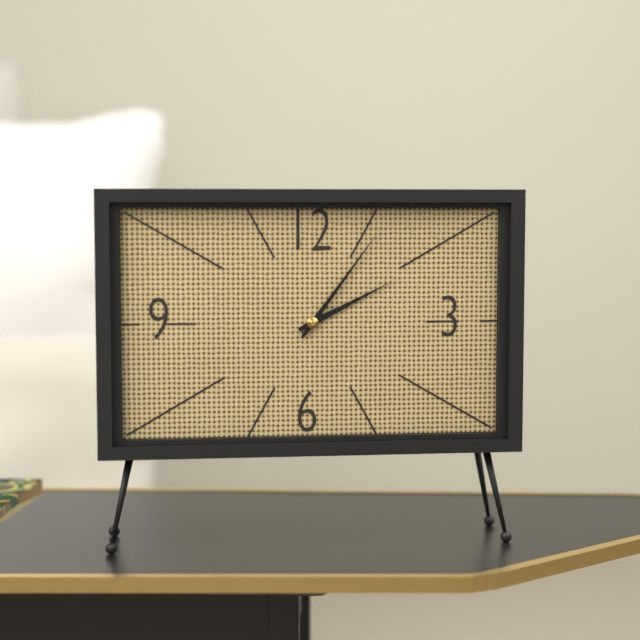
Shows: h=2 m=6
